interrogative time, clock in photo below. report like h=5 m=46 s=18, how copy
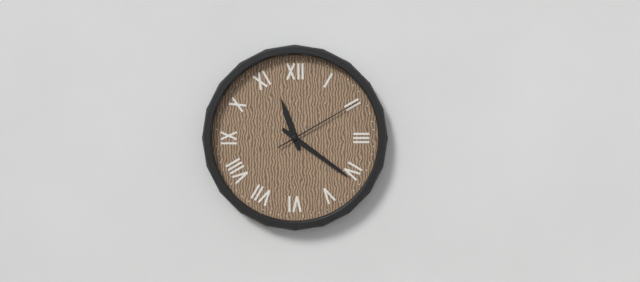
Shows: h=11 m=21 s=10
